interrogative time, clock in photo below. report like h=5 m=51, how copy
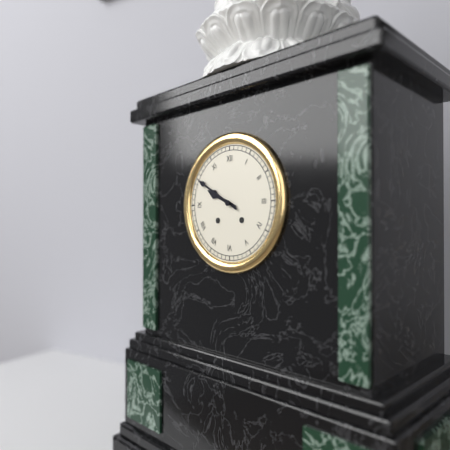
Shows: h=9 m=50
